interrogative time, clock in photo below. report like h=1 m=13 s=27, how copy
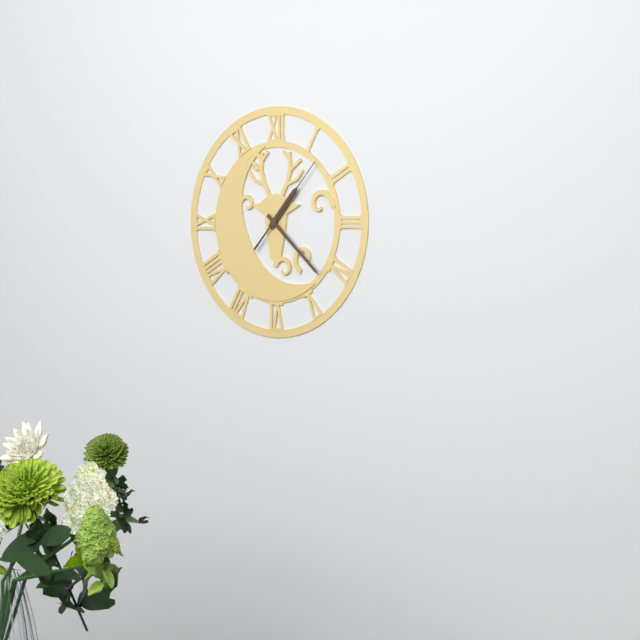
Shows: h=1 m=22 s=7
